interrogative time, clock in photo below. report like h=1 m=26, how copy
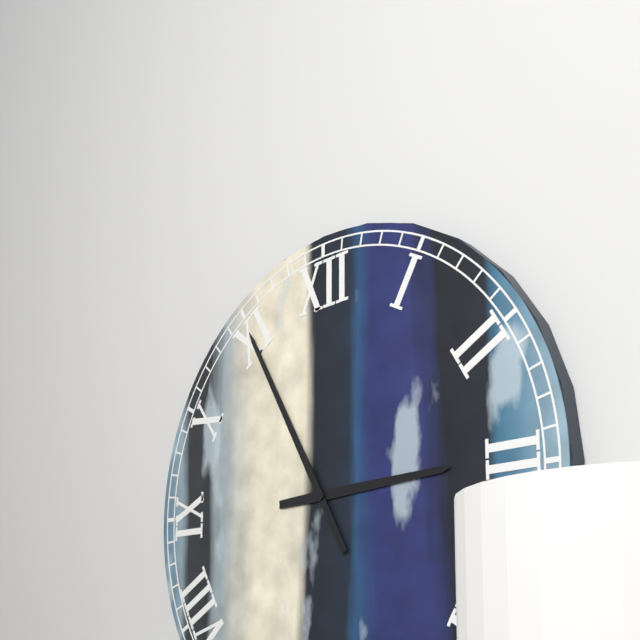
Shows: h=2 m=55
